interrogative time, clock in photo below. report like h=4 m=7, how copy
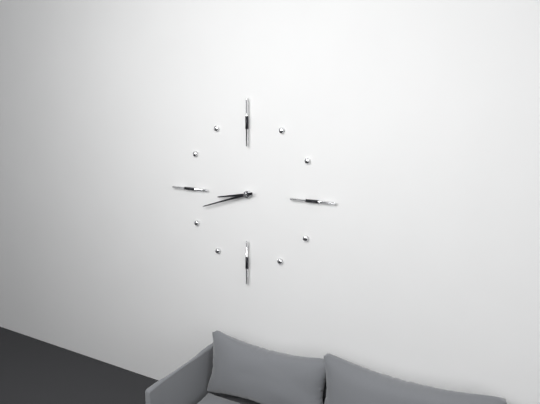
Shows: h=8 m=42
